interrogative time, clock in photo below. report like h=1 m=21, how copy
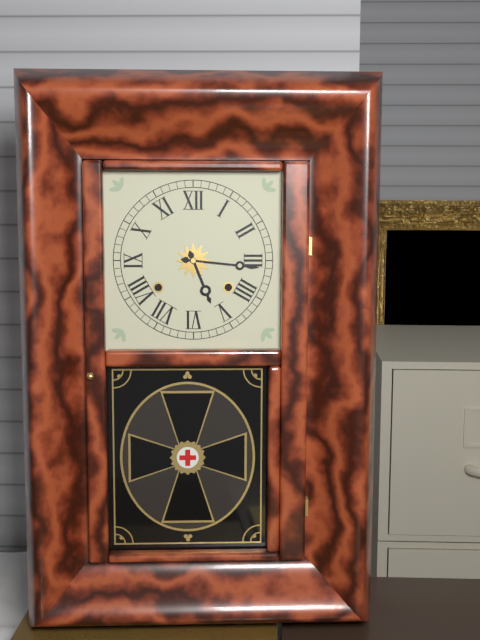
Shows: h=5 m=16
